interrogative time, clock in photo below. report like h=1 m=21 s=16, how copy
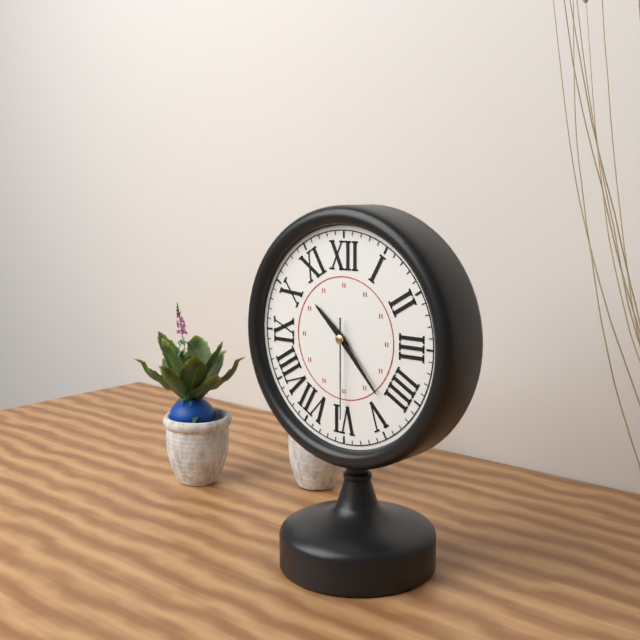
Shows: h=10 m=23 s=30
